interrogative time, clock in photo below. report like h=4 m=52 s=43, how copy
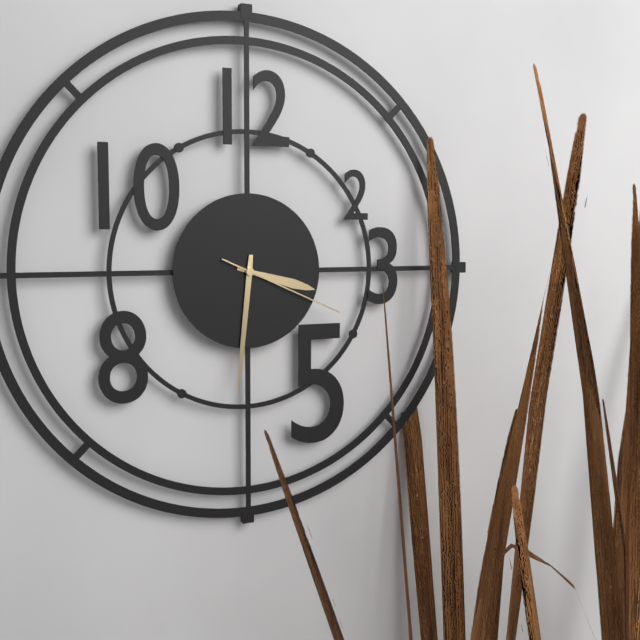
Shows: h=3 m=31 s=19
